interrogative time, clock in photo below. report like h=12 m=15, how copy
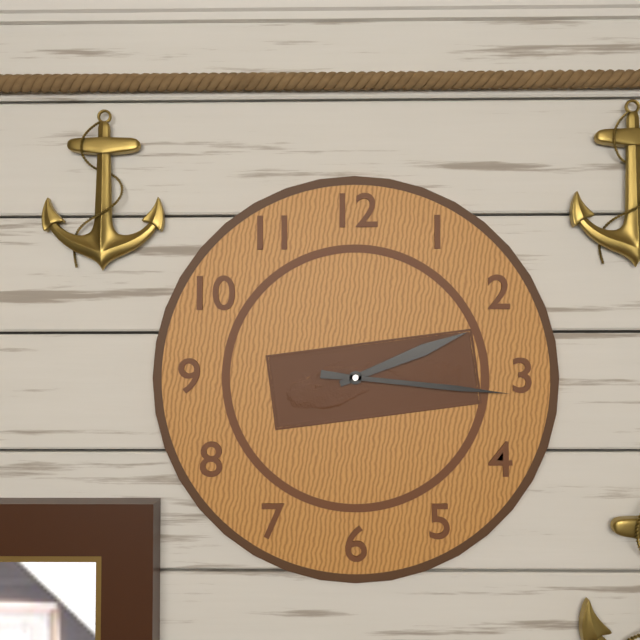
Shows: h=2 m=16
